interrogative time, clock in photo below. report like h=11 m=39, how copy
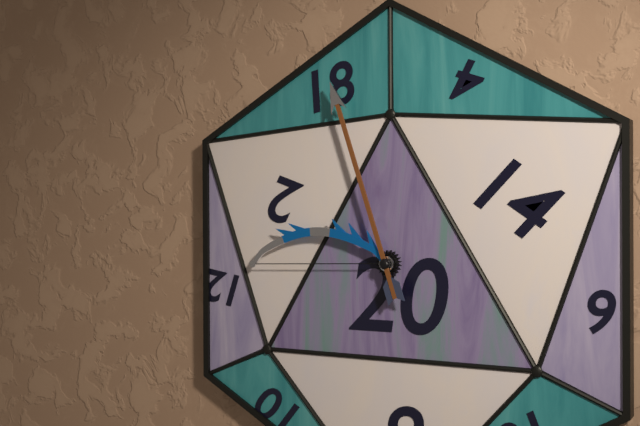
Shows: h=8 m=57
